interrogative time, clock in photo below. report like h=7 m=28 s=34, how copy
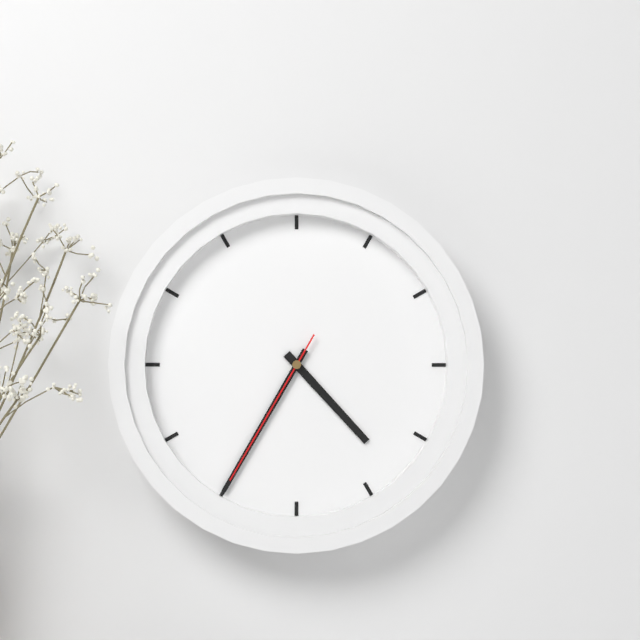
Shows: h=4 m=35 s=35
